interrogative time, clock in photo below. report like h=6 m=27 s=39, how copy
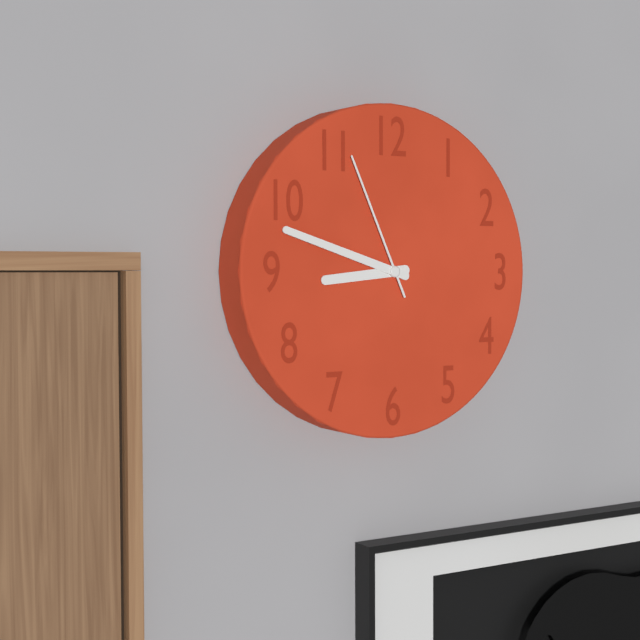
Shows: h=8 m=48 s=56
